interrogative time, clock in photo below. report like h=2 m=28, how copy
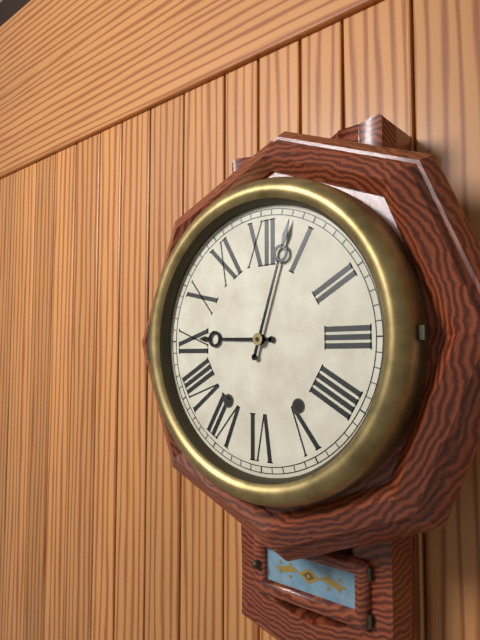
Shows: h=9 m=3
